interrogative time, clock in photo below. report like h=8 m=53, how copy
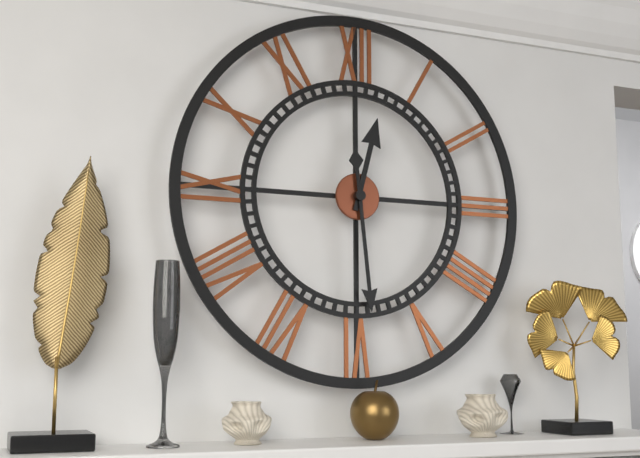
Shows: h=12 m=29
